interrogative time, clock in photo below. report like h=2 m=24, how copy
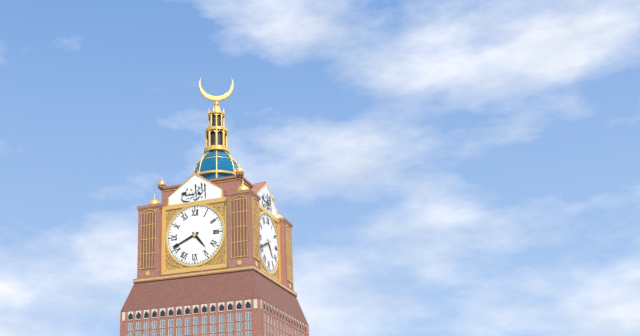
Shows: h=4 m=41
